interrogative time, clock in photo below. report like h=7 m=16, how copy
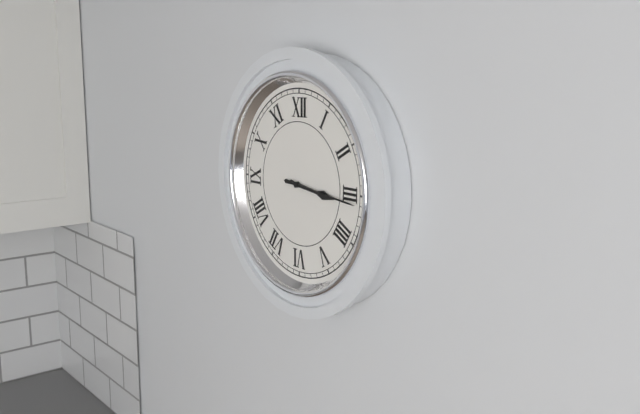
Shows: h=3 m=16
